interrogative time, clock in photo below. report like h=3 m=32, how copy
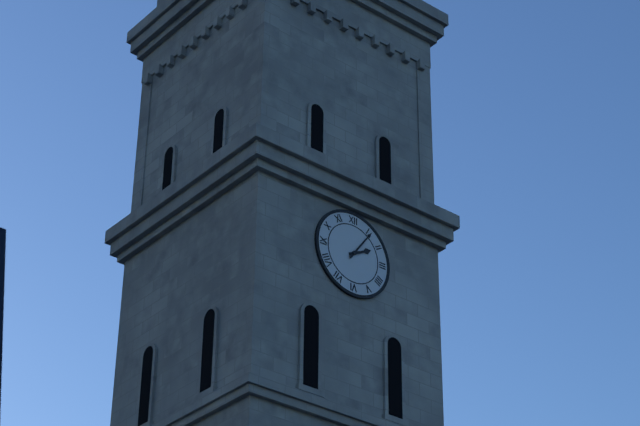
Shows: h=2 m=6
